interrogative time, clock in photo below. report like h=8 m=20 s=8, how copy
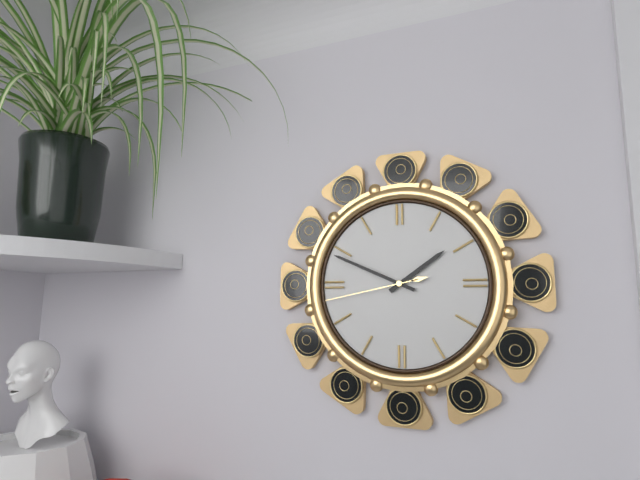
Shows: h=1 m=49 s=43
